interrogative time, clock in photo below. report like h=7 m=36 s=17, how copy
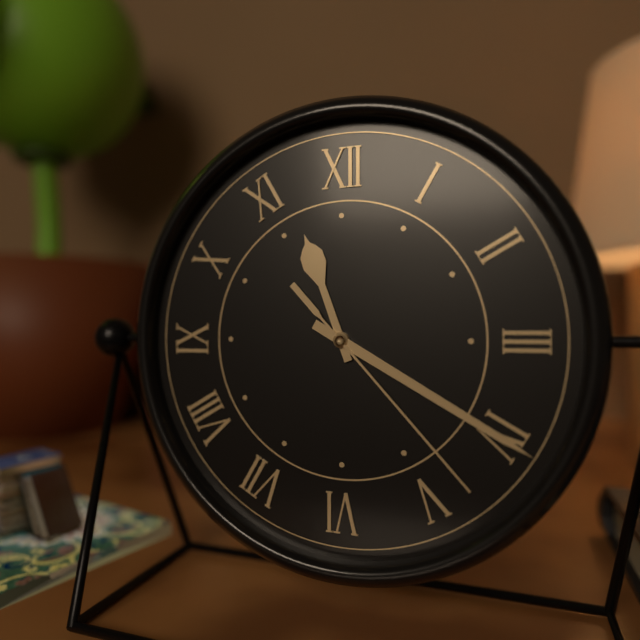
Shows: h=11 m=20 s=23
